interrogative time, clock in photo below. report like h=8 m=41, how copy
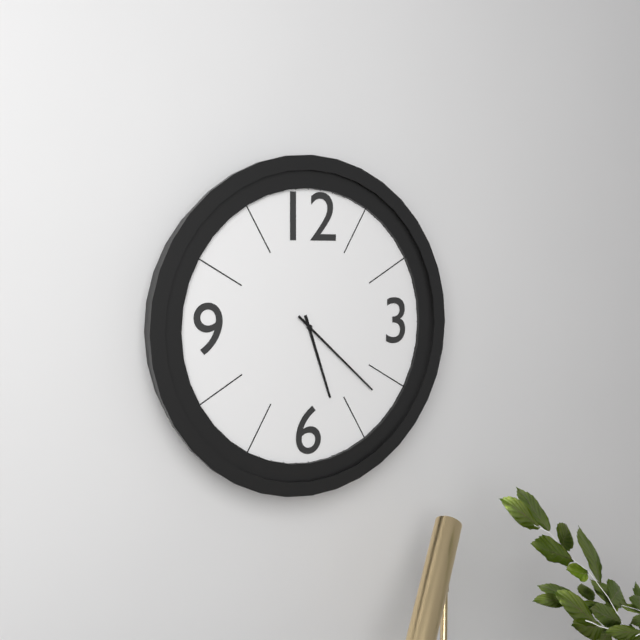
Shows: h=5 m=22
